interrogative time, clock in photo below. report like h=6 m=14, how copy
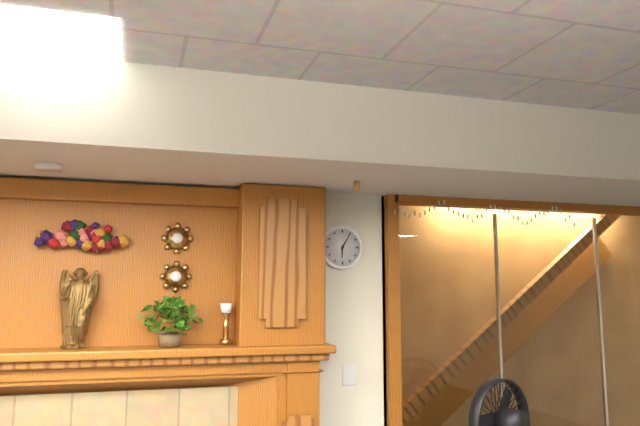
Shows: h=6 m=5
